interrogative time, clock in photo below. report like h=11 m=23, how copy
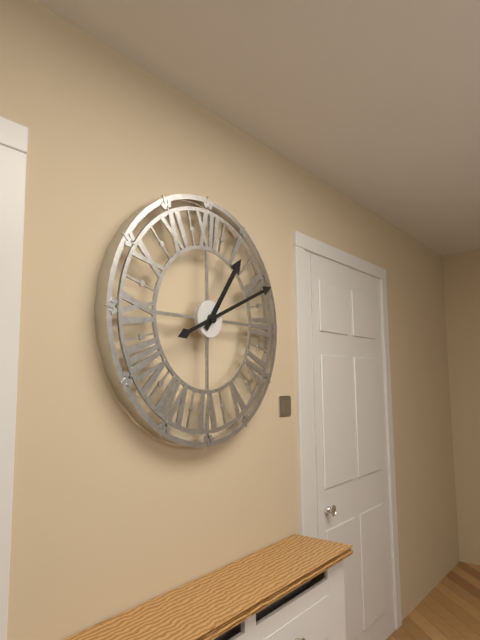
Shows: h=1 m=11
